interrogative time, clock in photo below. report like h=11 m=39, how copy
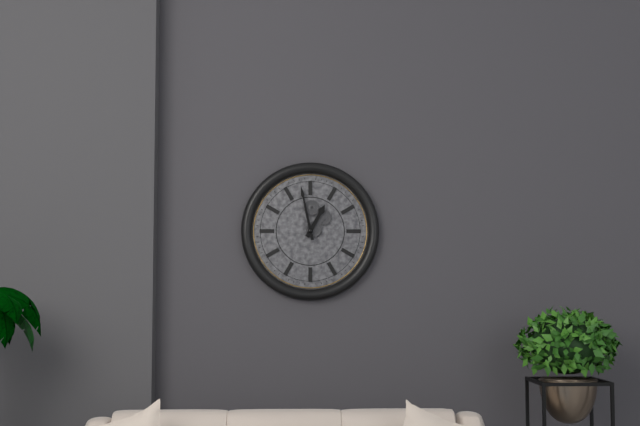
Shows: h=12 m=58
